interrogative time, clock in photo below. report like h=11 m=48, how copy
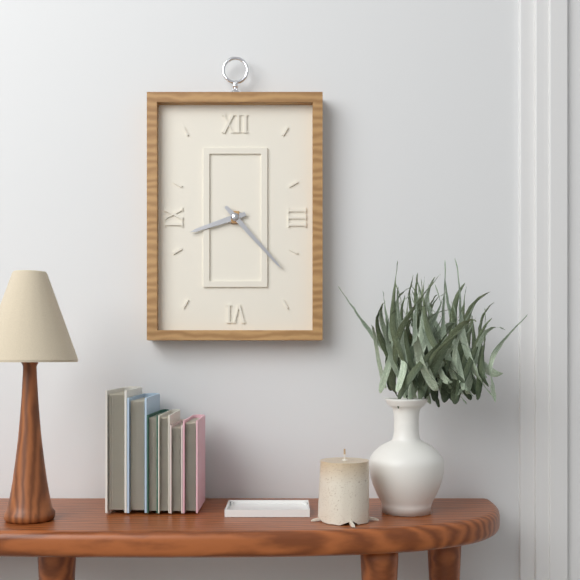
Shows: h=8 m=23
